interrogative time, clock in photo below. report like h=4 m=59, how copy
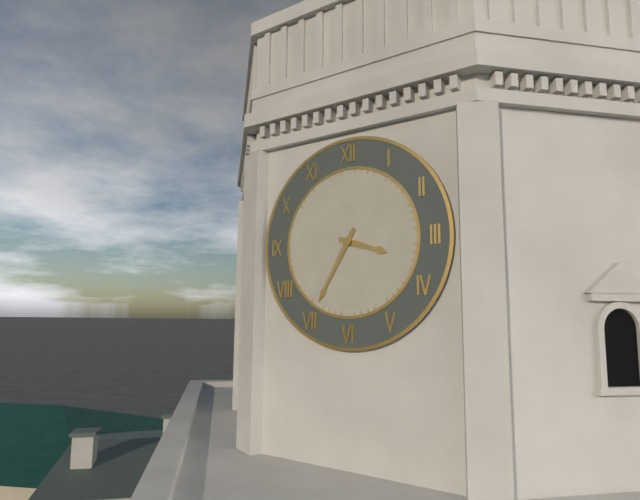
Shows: h=3 m=35
